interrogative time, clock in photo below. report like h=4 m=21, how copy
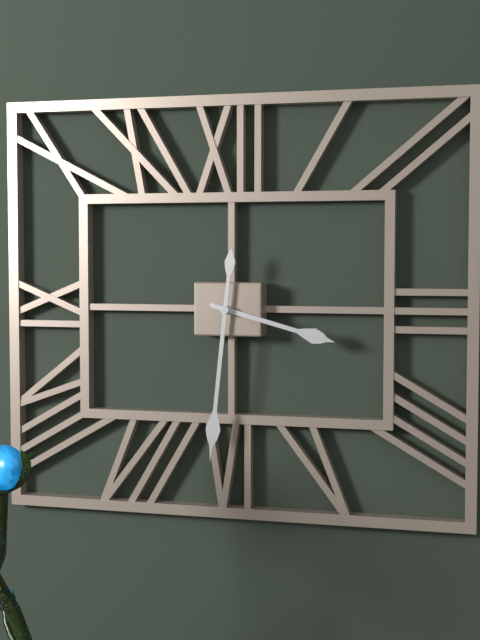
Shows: h=3 m=31
